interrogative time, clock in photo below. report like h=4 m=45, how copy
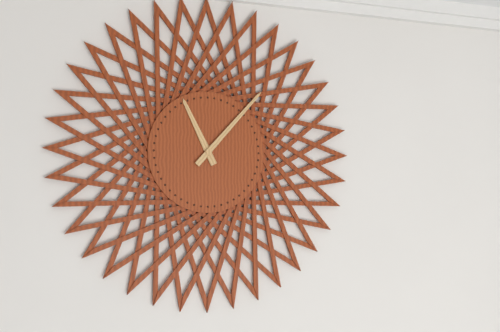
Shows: h=11 m=7
